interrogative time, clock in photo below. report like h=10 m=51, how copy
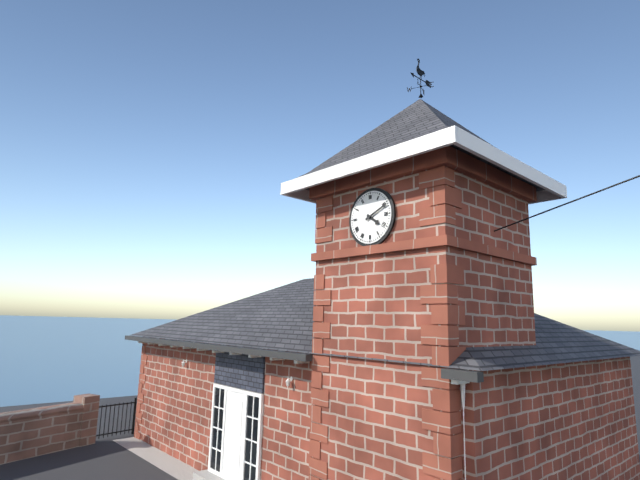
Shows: h=4 m=11
